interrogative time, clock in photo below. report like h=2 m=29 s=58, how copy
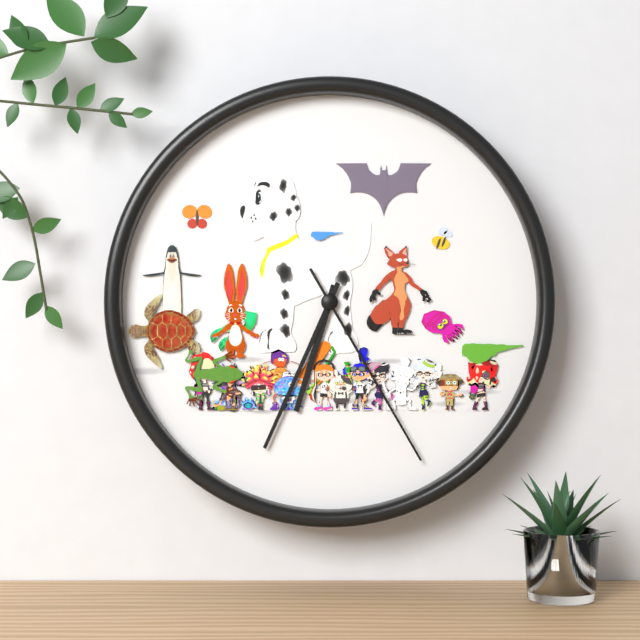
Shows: h=6 m=34 s=25
